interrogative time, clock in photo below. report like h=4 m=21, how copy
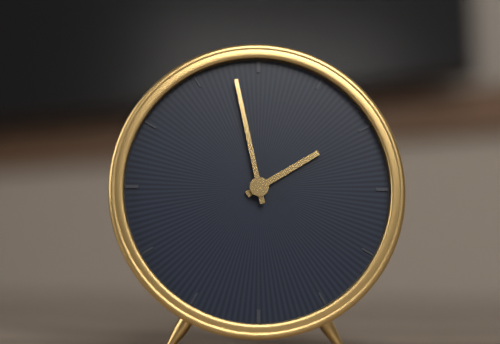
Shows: h=1 m=58
